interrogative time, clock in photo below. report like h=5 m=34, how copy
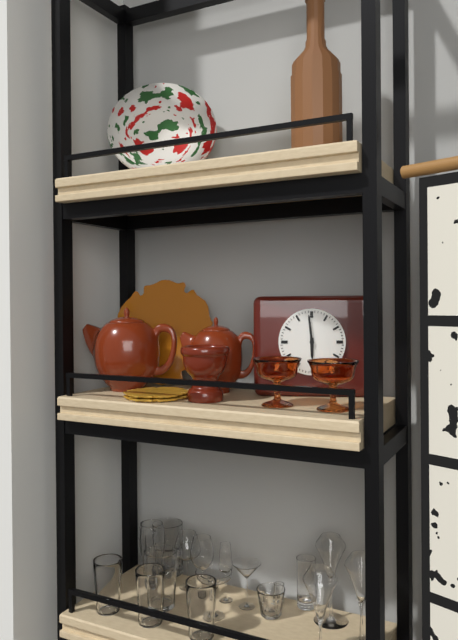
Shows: h=5 m=59
